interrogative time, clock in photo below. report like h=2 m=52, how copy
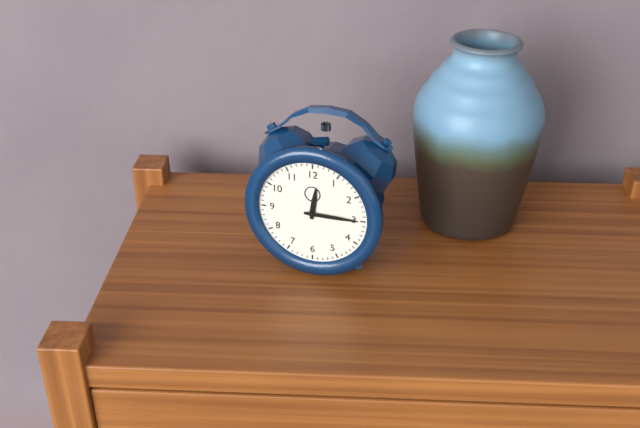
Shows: h=12 m=15
